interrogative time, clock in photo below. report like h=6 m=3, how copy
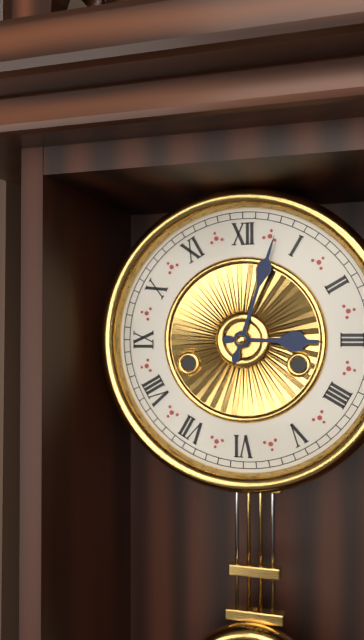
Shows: h=3 m=3
